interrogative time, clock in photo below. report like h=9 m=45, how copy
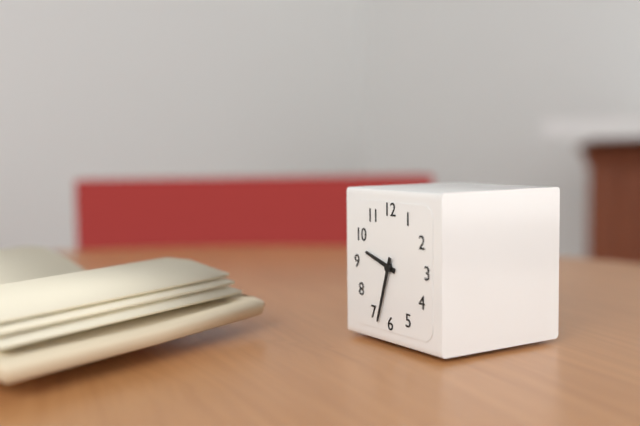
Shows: h=9 m=33
